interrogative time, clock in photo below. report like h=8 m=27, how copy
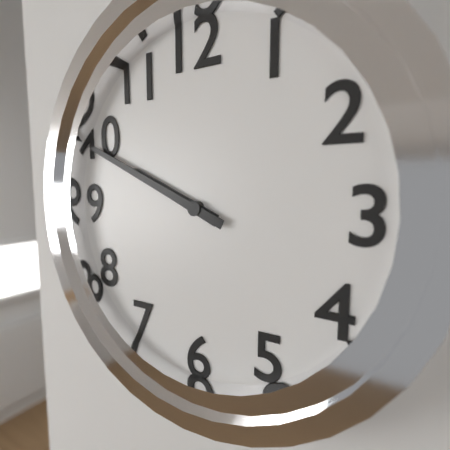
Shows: h=9 m=49
